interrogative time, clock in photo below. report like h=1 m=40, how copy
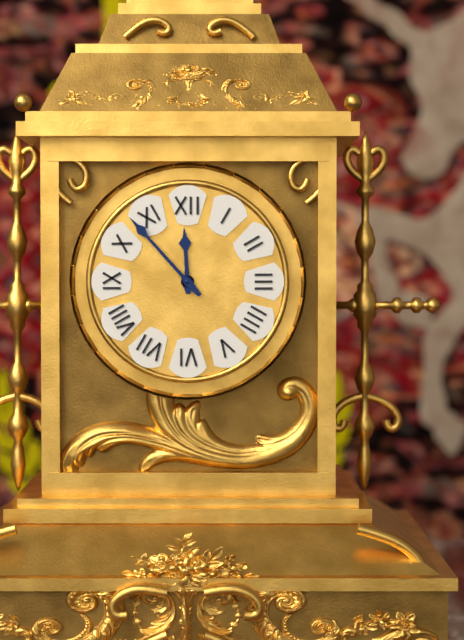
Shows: h=11 m=53
